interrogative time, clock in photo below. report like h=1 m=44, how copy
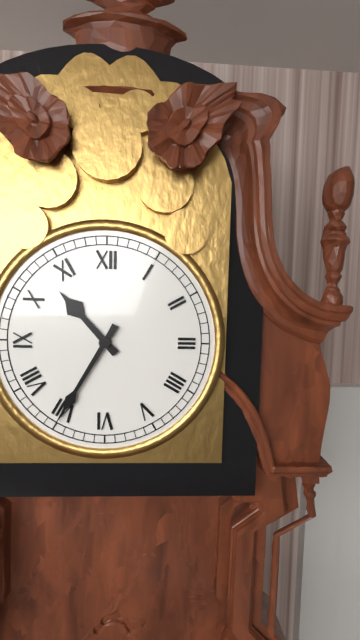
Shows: h=10 m=35
